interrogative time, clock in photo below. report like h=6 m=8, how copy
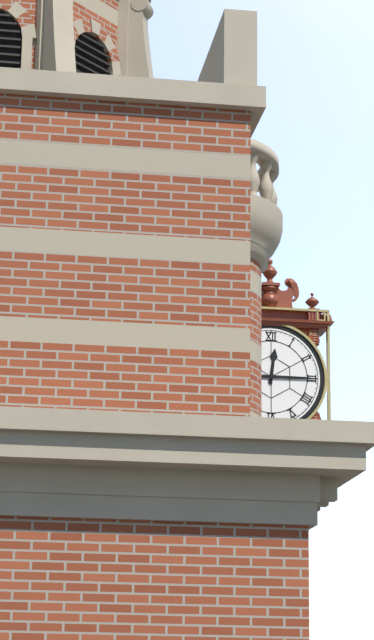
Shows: h=12 m=15
